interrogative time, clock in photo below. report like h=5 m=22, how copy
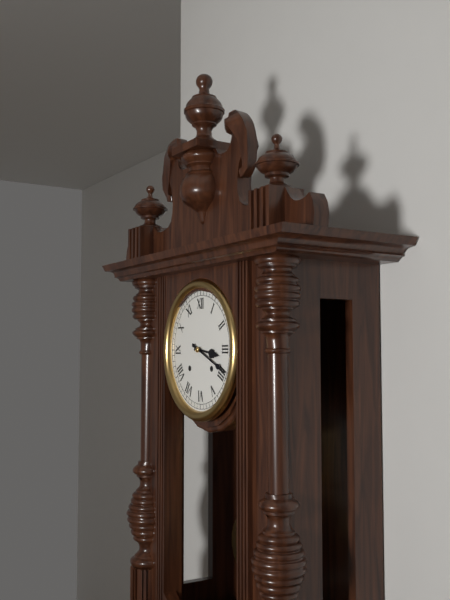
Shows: h=3 m=19
